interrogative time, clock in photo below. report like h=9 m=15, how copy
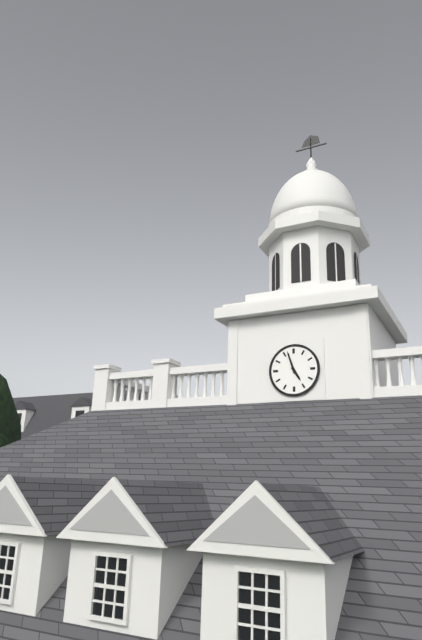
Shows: h=4 m=57
